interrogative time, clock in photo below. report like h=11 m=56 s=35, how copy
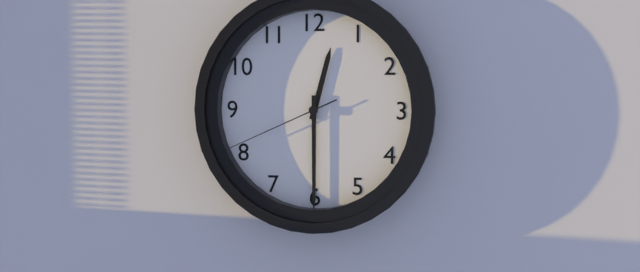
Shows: h=12 m=30 s=41
